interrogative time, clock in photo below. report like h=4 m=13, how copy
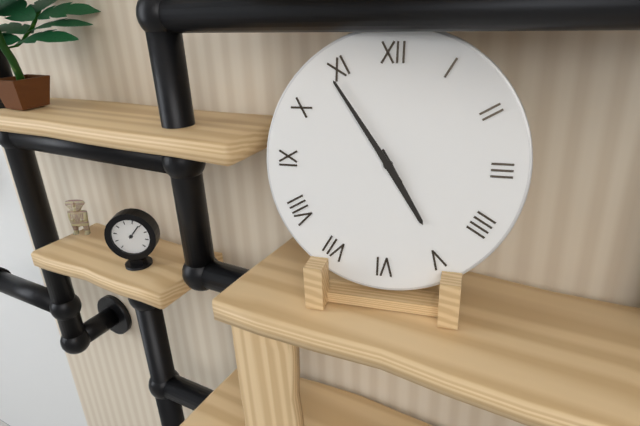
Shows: h=4 m=54
